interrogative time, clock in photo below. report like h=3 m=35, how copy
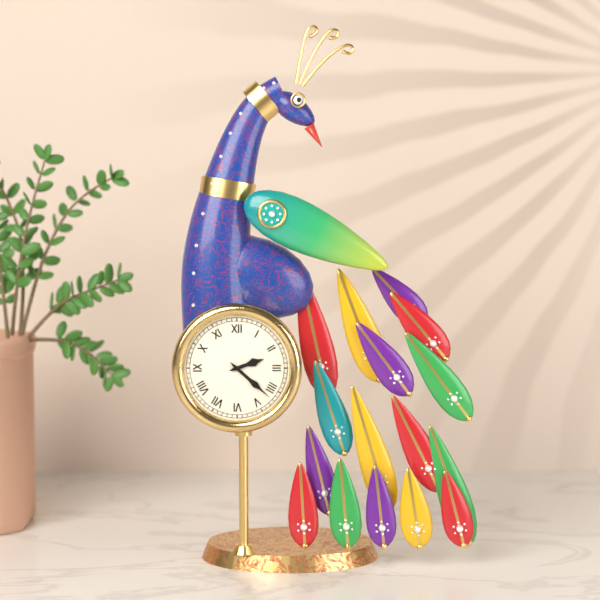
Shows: h=2 m=22
